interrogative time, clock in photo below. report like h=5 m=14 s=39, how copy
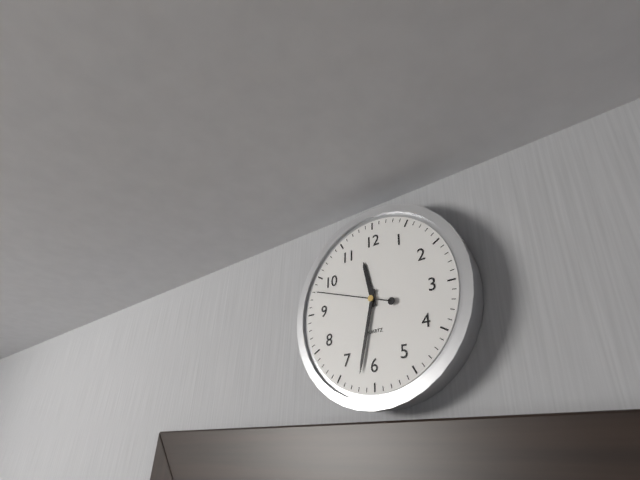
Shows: h=11 m=32 s=48
